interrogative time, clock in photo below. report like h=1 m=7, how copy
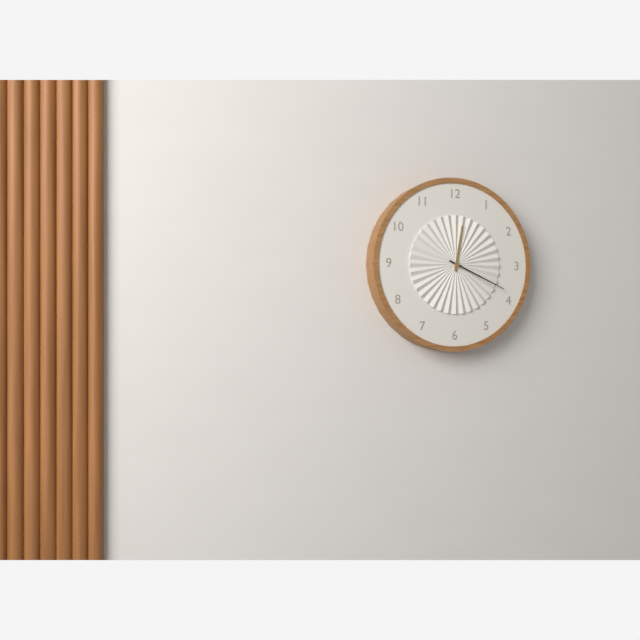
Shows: h=12 m=19
